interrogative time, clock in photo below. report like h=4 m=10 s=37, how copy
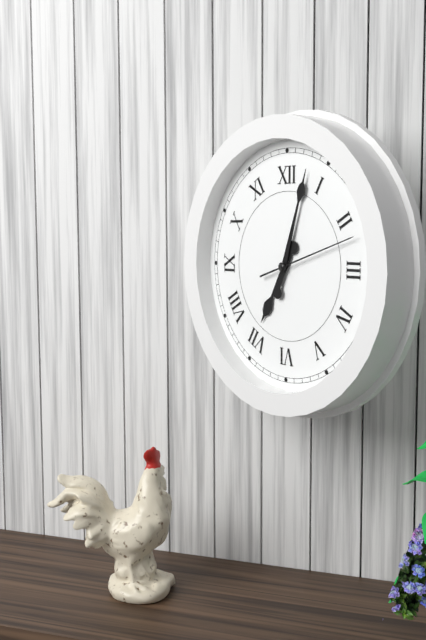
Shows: h=7 m=3 s=12
